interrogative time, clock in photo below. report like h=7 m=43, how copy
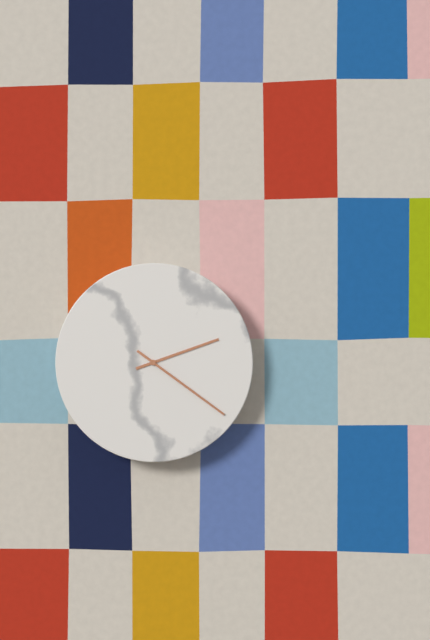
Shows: h=2 m=21
